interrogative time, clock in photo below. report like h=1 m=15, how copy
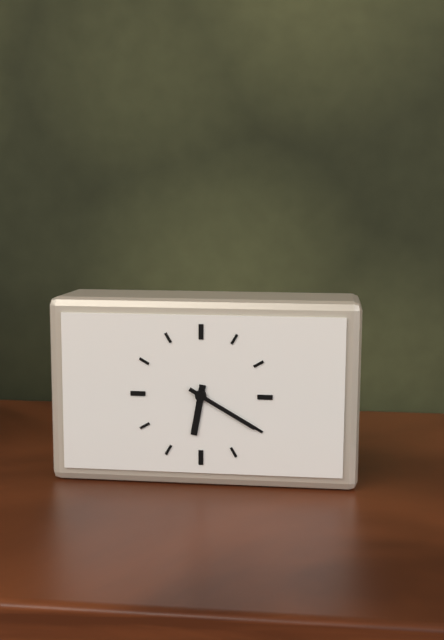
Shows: h=6 m=20
